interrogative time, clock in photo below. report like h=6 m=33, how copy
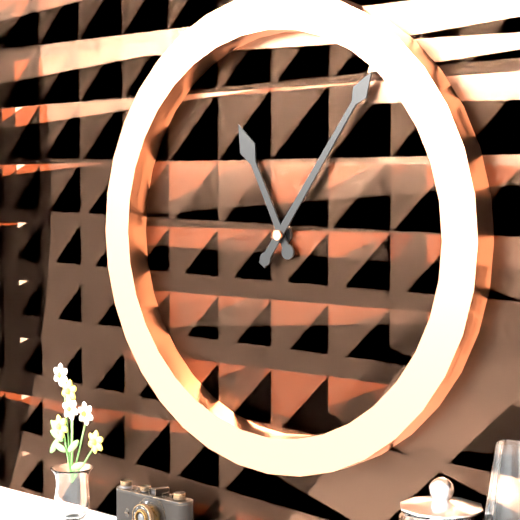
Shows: h=11 m=6
